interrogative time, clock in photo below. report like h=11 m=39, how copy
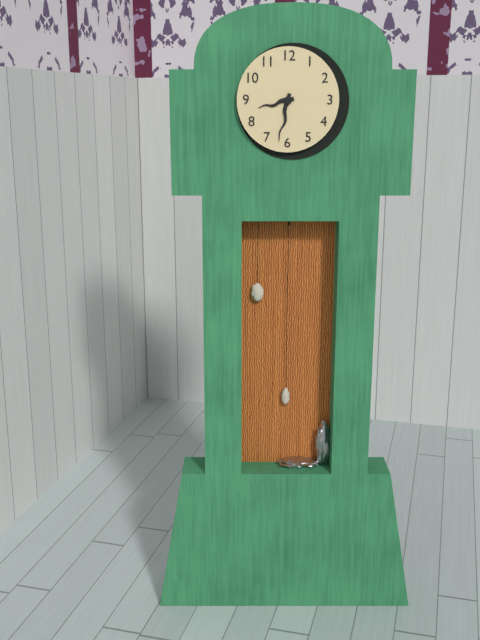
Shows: h=8 m=32
